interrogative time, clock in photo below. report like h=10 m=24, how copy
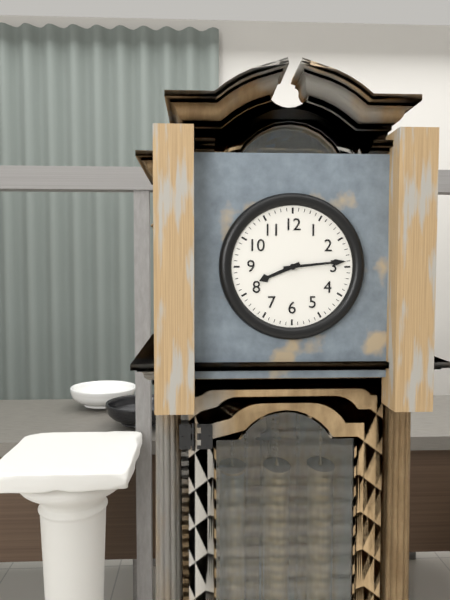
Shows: h=8 m=14
